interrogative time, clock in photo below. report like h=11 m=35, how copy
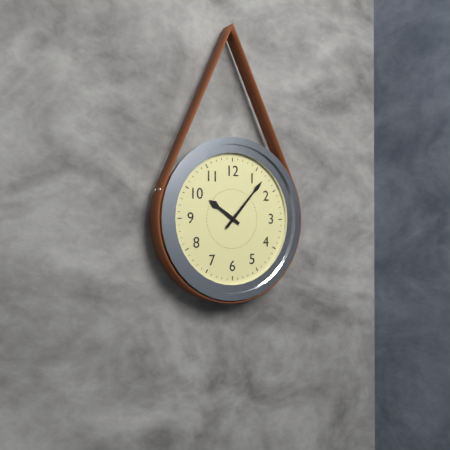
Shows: h=10 m=7
